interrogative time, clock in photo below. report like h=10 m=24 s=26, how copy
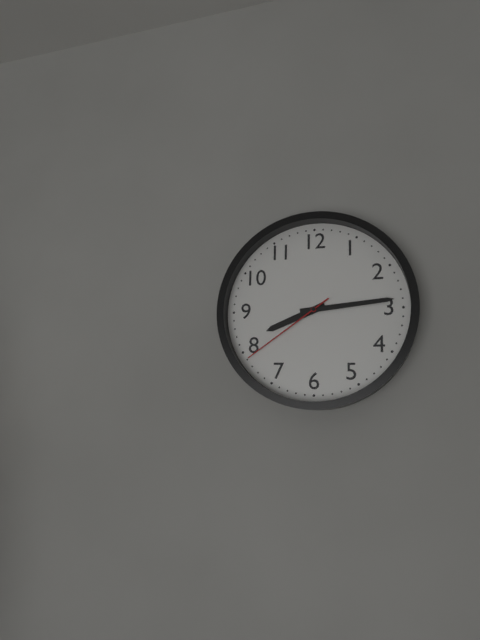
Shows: h=8 m=14 s=39
